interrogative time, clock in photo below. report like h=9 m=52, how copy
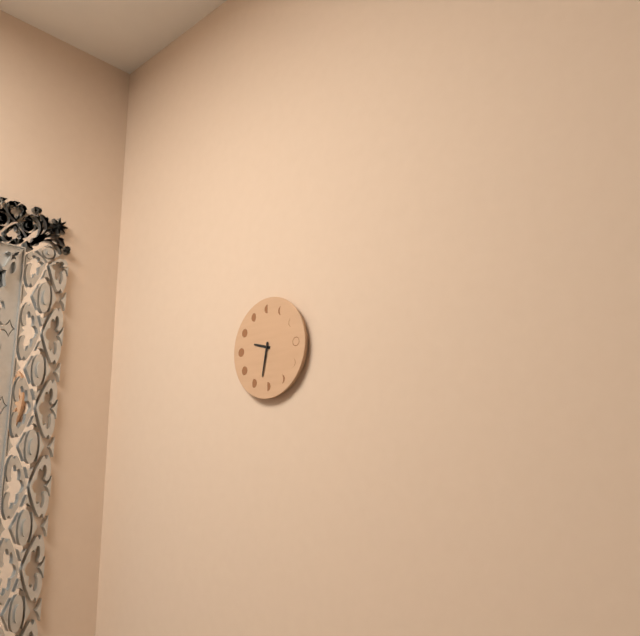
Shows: h=9 m=32
